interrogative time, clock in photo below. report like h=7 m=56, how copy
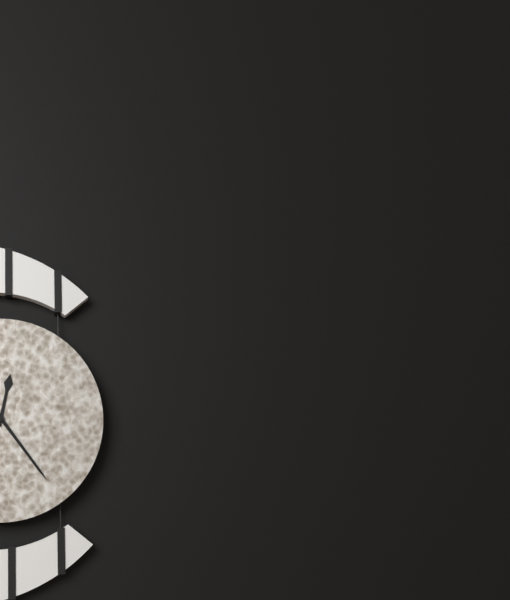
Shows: h=12 m=24
